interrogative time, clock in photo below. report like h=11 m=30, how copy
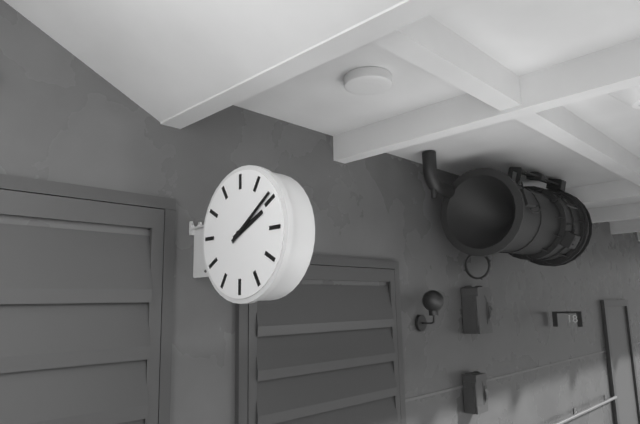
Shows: h=2 m=9
